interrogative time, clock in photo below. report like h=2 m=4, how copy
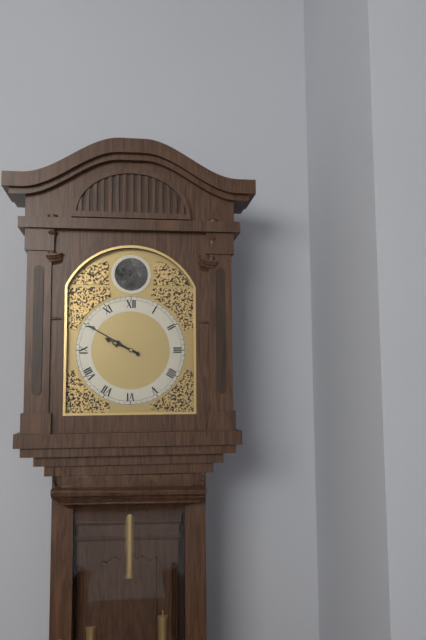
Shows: h=9 m=50
